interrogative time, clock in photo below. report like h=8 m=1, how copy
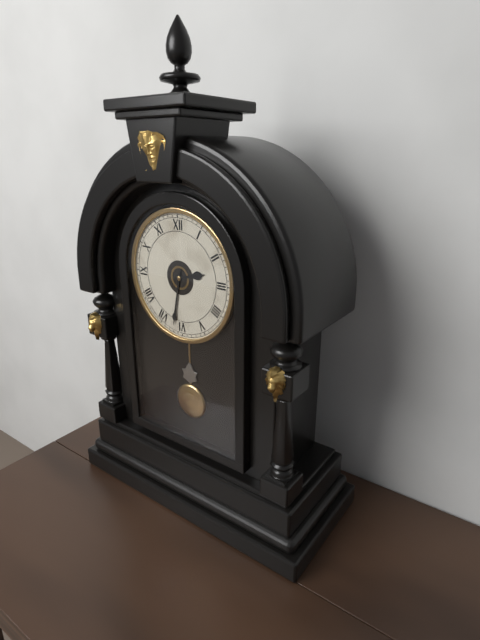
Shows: h=2 m=32
